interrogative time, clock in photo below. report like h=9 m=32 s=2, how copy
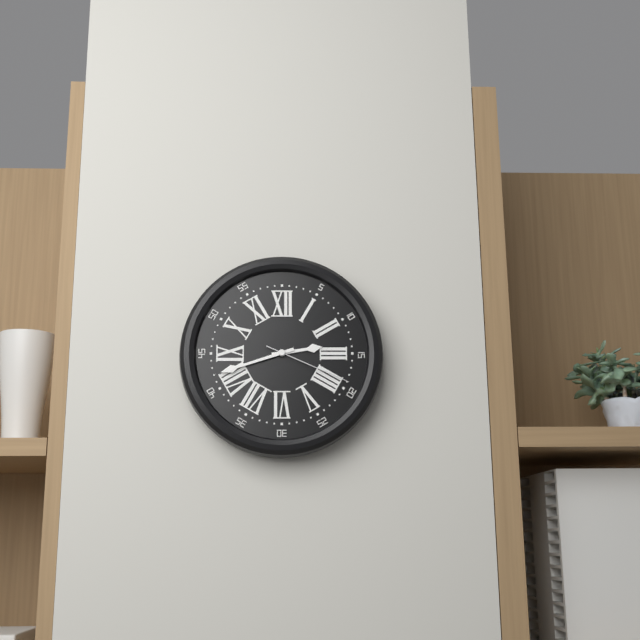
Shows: h=2 m=42 s=19
